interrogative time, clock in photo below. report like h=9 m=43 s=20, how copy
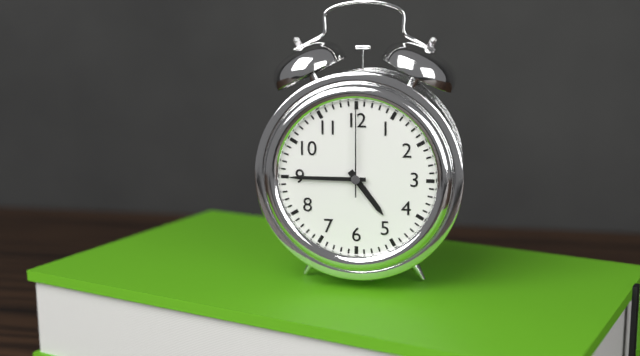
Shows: h=4 m=45 s=0
